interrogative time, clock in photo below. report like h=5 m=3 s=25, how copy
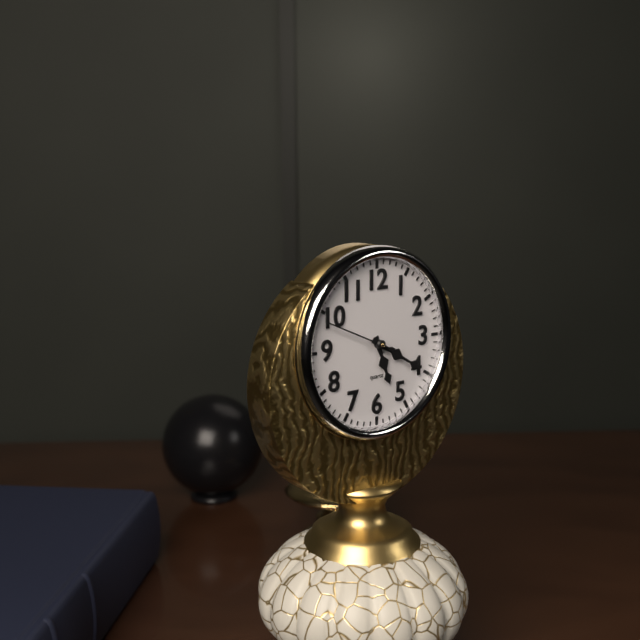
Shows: h=5 m=20 s=49
